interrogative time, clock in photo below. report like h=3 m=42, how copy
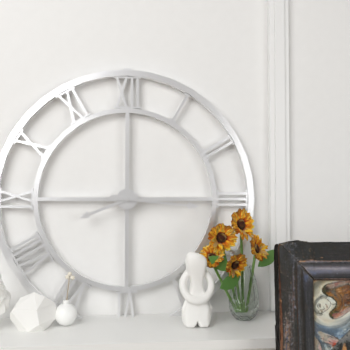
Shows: h=8 m=16
